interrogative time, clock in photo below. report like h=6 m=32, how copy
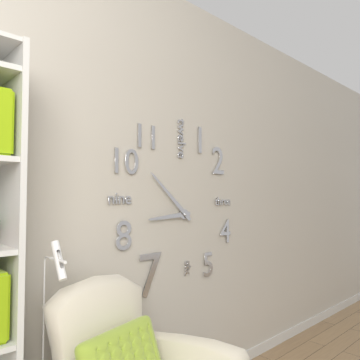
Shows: h=8 m=52
